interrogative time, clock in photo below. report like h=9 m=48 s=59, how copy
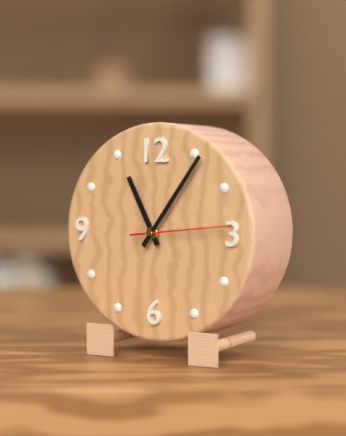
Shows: h=11 m=6 s=14
